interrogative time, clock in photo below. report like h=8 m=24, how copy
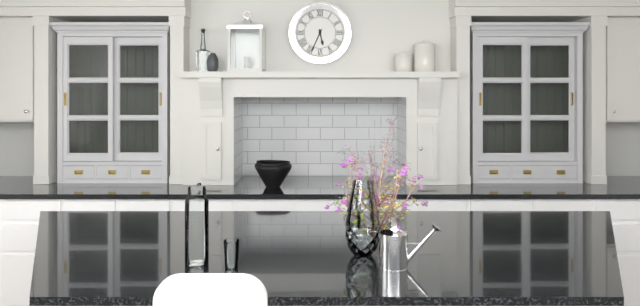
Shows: h=5 m=34
